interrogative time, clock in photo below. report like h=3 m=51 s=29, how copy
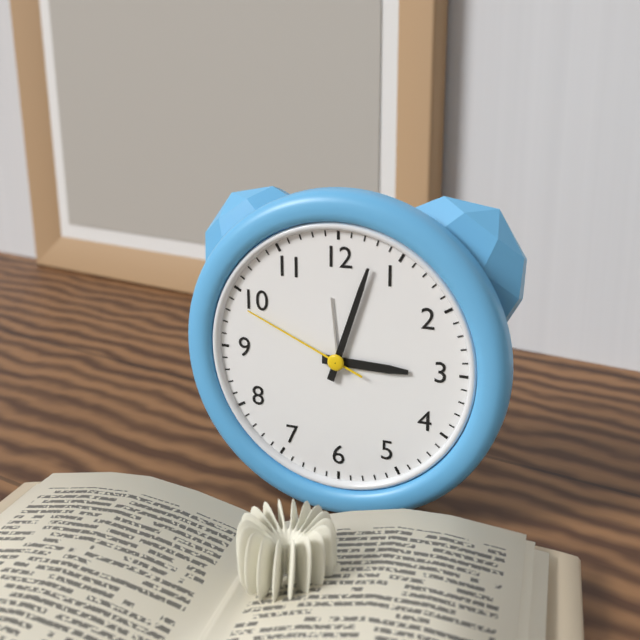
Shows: h=3 m=3 s=49
